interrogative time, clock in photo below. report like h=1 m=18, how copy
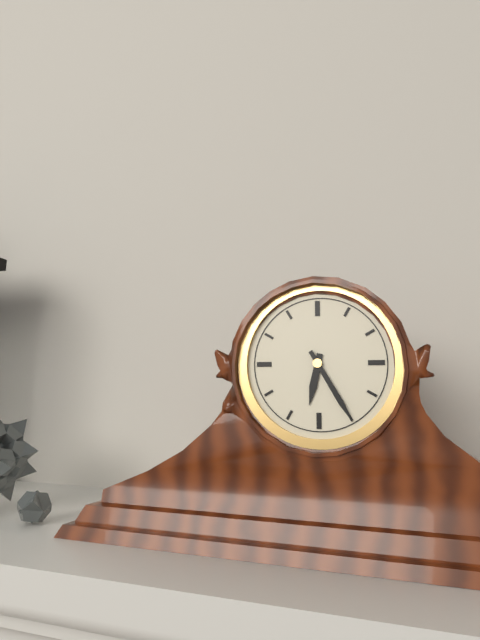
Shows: h=6 m=25
